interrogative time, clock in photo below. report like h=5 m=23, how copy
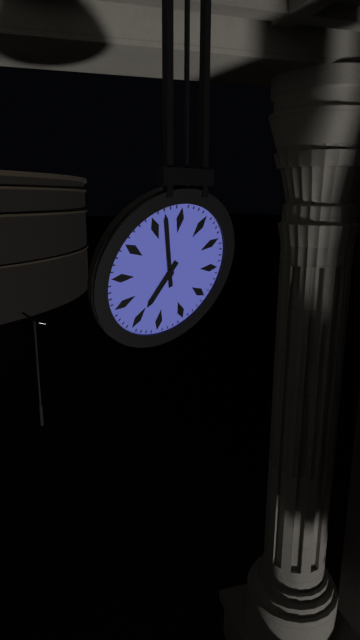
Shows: h=6 m=57
